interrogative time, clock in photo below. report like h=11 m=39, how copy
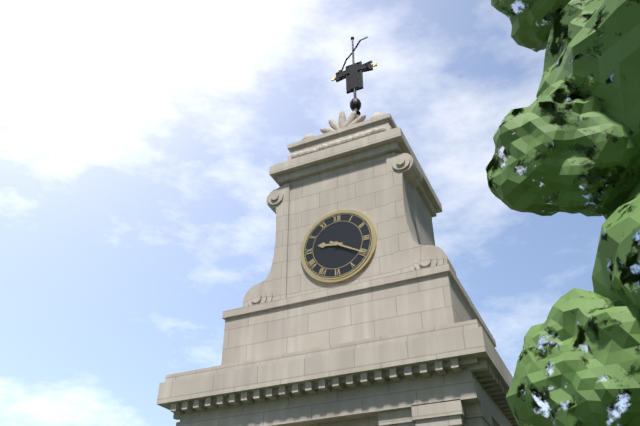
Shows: h=9 m=20
